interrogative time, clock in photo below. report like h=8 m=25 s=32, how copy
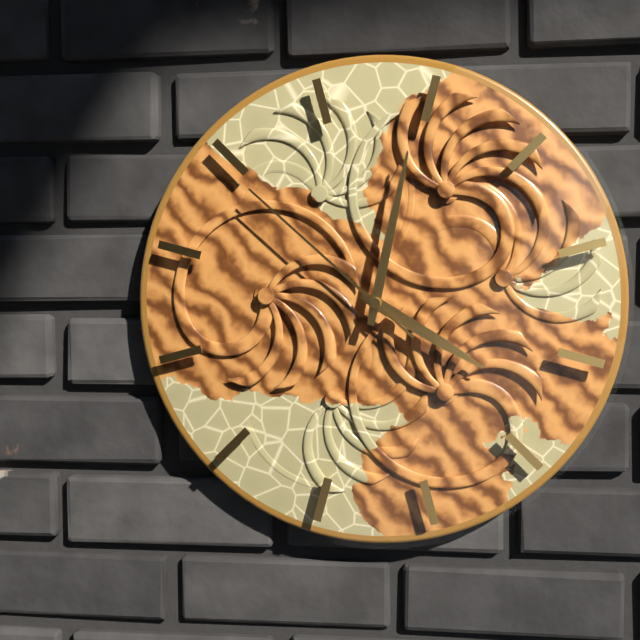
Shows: h=4 m=2 s=52
